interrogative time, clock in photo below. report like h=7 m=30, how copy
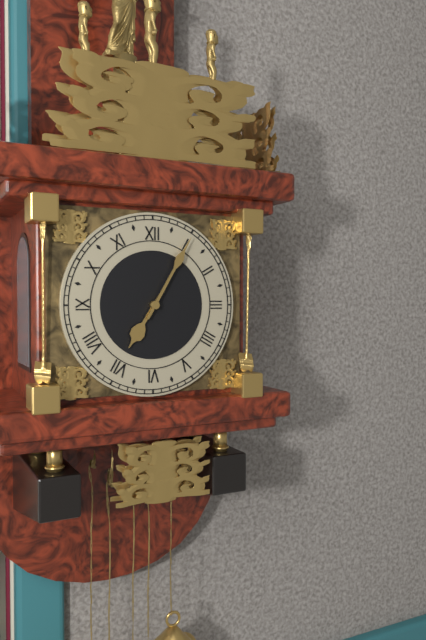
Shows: h=7 m=5
